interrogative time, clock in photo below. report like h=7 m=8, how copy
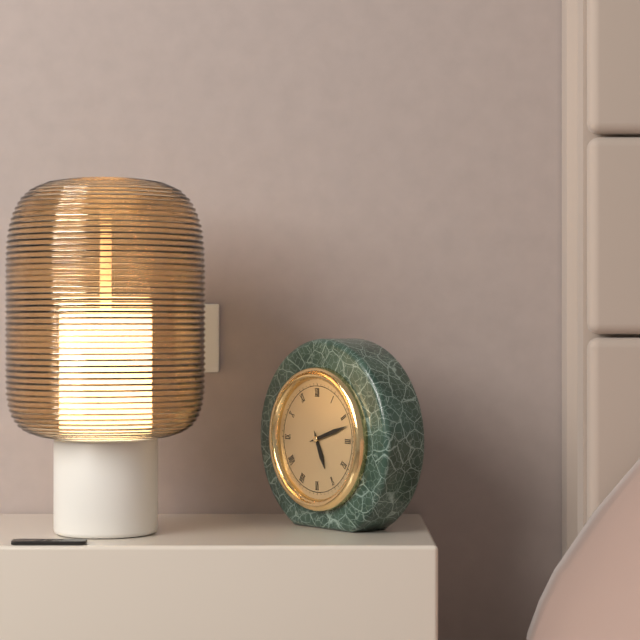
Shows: h=5 m=12
